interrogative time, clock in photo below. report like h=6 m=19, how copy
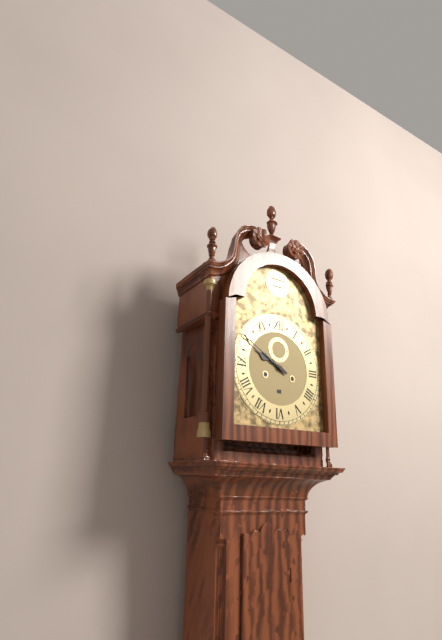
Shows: h=9 m=50
